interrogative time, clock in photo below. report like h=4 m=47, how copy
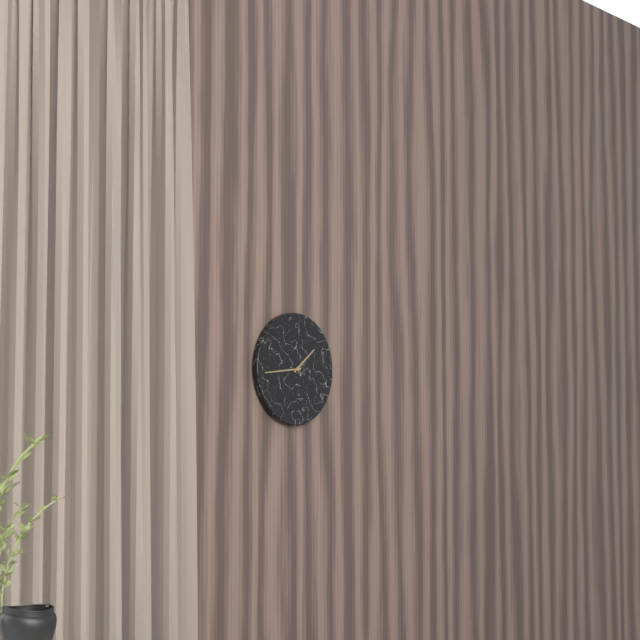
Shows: h=1 m=44
